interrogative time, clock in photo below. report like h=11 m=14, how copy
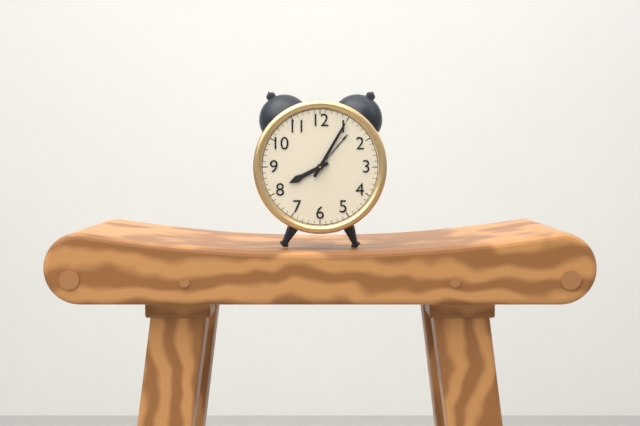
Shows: h=8 m=5
